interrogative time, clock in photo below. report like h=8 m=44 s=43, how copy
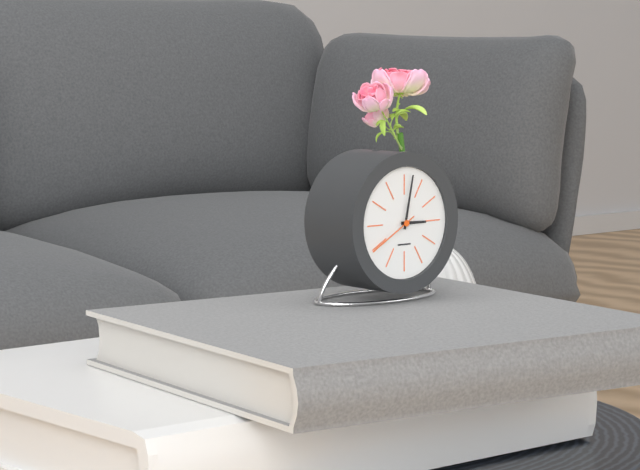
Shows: h=3 m=2 s=40
